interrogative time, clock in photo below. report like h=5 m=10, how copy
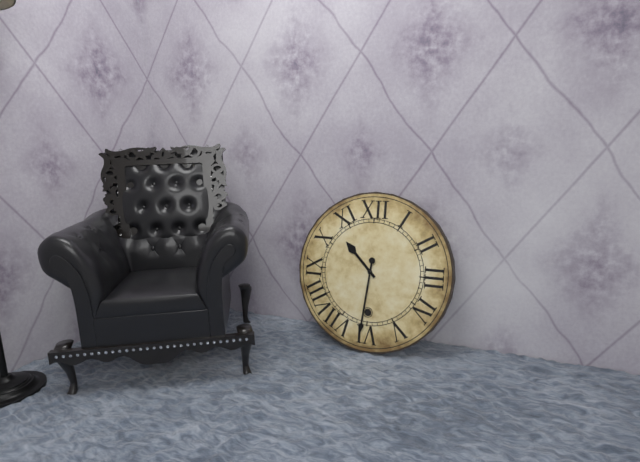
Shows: h=10 m=31
